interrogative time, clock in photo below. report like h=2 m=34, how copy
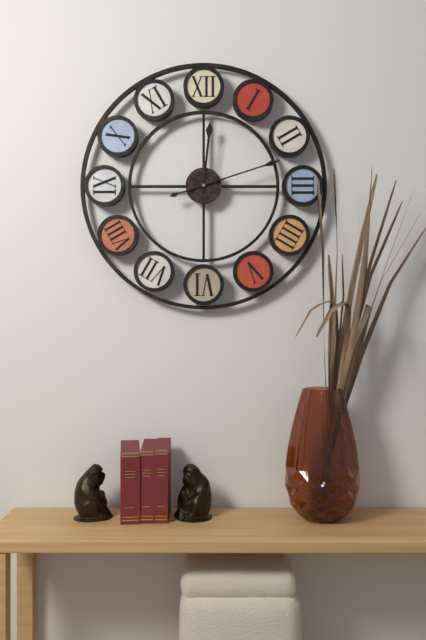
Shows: h=12 m=12
